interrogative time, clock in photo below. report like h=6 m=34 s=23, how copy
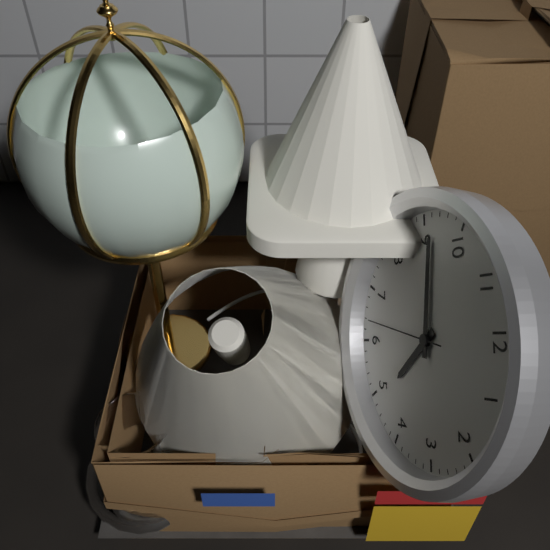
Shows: h=4 m=46 s=32
